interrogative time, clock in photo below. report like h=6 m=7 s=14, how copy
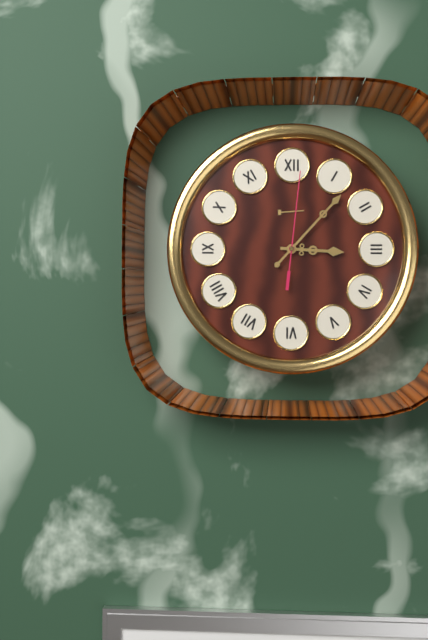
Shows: h=3 m=7 s=1
